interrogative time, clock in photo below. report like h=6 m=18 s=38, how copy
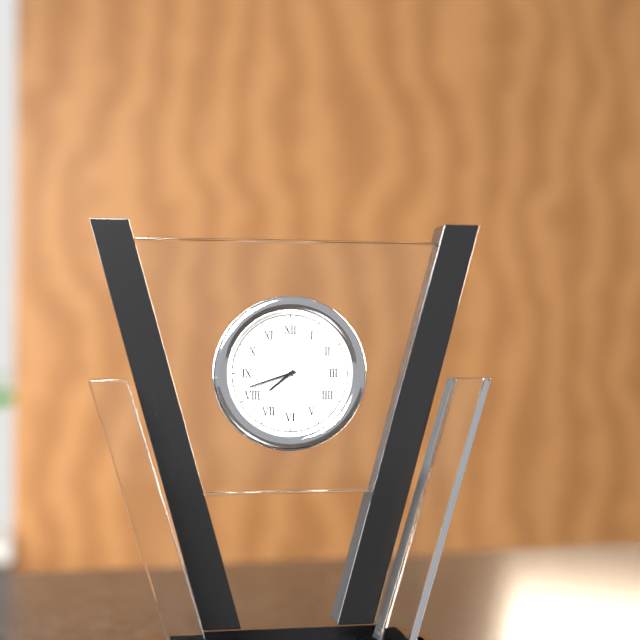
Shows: h=7 m=42 s=23
